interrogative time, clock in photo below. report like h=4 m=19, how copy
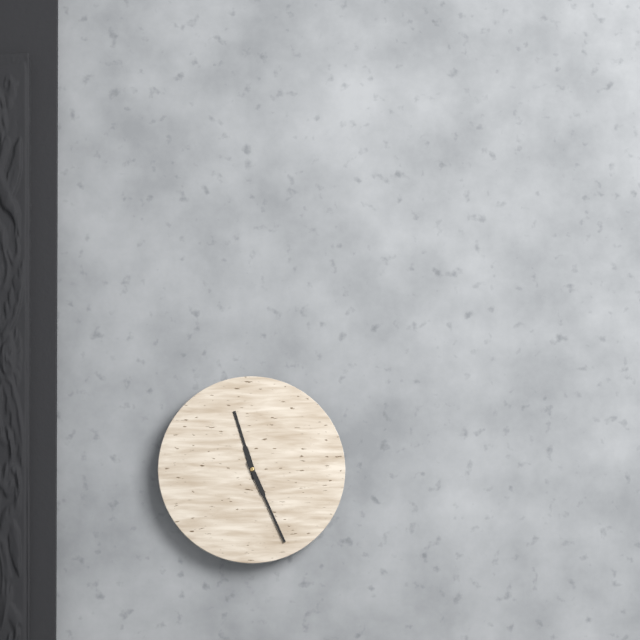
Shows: h=11 m=26
